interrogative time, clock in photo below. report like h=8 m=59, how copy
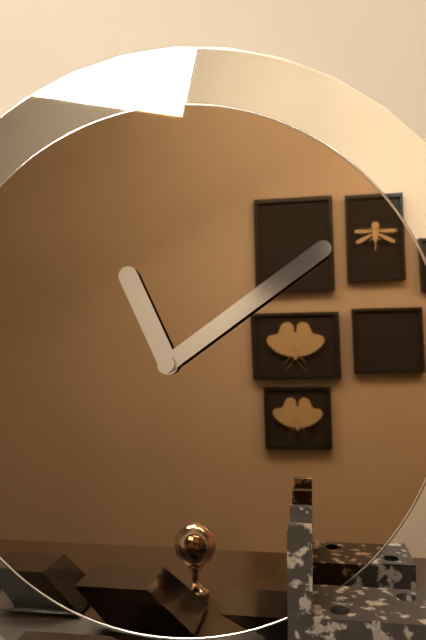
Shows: h=11 m=9
